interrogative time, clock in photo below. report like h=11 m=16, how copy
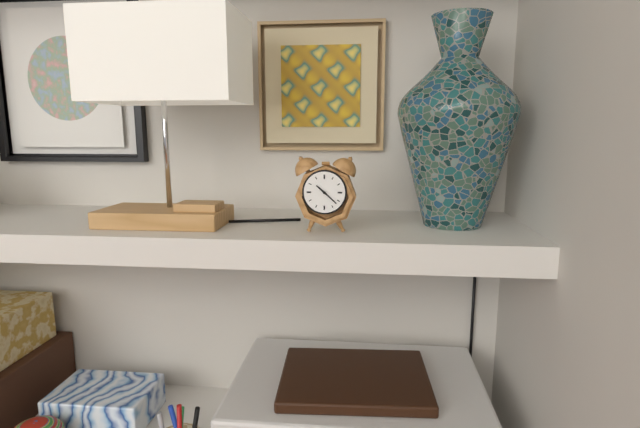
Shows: h=10 m=22
